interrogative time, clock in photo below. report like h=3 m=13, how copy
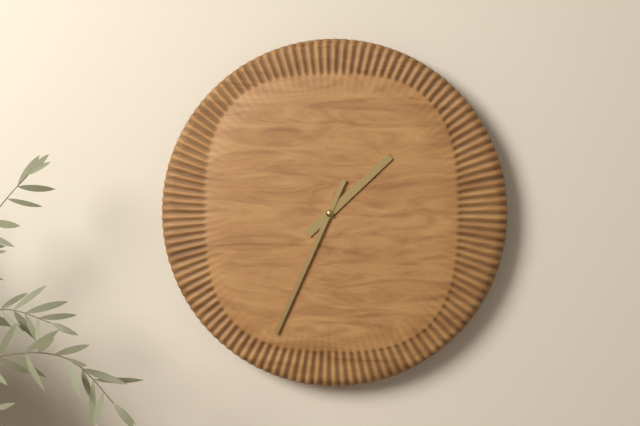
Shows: h=1 m=34
